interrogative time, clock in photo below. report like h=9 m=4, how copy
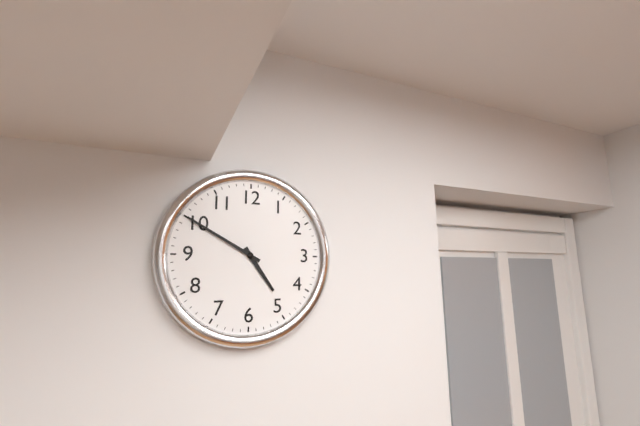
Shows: h=4 m=50
